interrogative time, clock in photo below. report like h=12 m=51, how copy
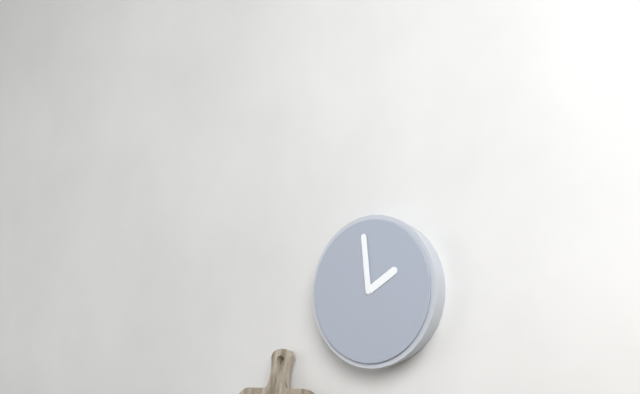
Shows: h=1 m=59
